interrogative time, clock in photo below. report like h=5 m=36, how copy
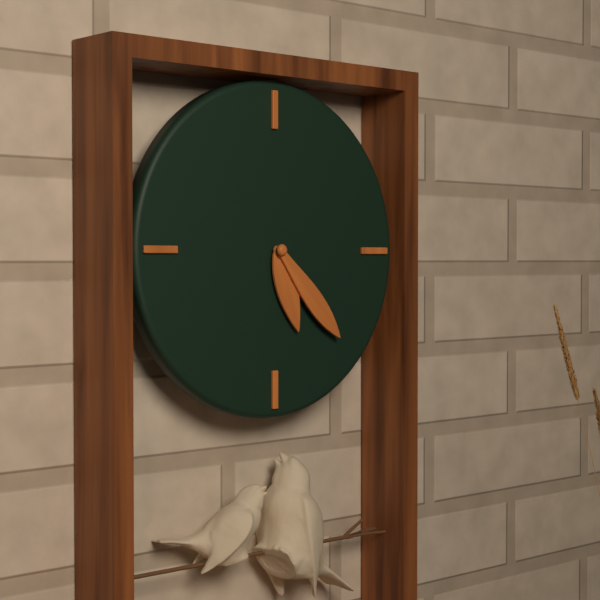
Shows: h=5 m=23
